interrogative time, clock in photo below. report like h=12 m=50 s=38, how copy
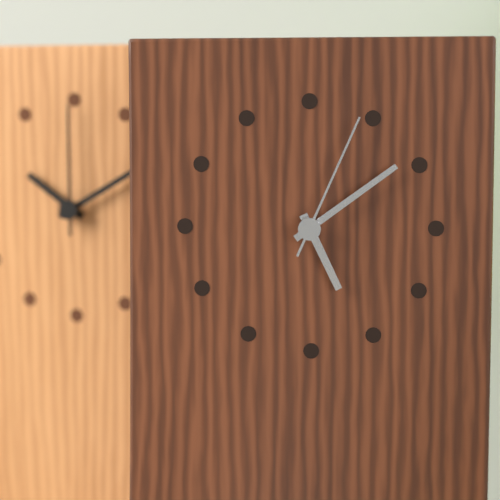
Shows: h=5 m=9 s=4
